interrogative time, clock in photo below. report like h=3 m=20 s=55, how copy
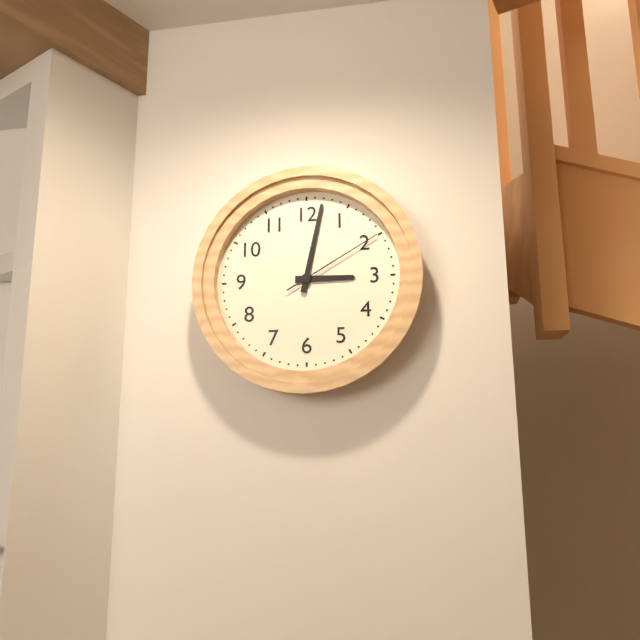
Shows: h=3 m=2 s=10
